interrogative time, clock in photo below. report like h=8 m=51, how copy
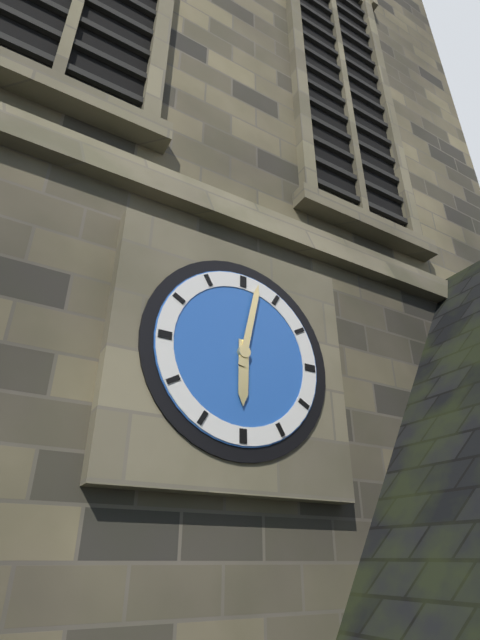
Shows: h=6 m=2
